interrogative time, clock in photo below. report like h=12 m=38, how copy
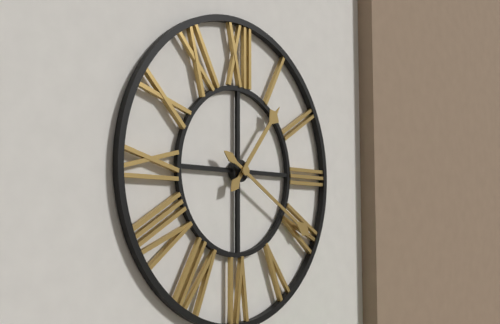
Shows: h=1 m=20
